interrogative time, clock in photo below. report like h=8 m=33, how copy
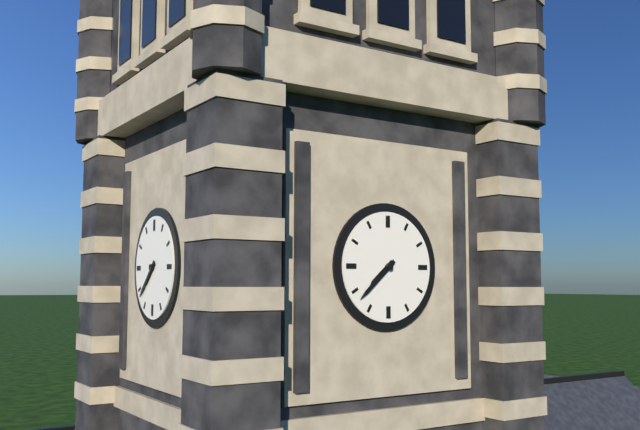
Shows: h=7 m=38
